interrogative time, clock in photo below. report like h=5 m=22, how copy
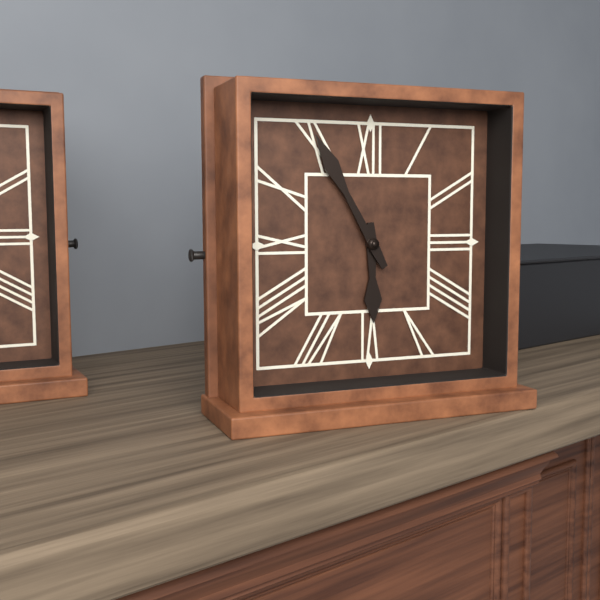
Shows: h=5 m=55
